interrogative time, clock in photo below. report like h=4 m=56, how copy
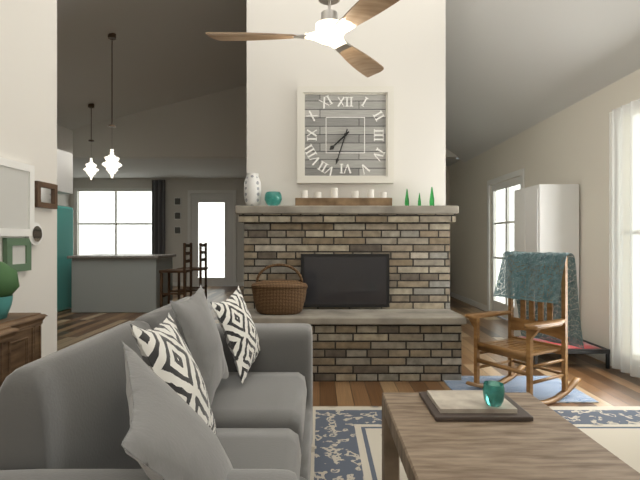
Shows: h=7 m=33
